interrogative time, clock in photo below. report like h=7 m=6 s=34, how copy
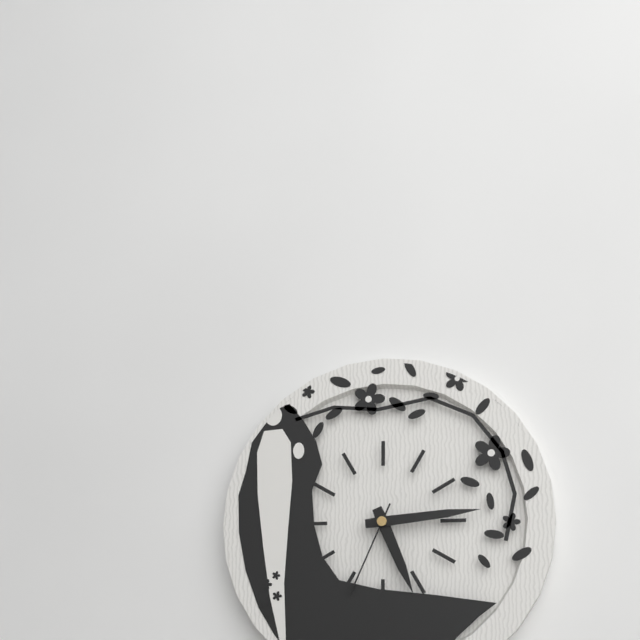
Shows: h=5 m=14 s=34
